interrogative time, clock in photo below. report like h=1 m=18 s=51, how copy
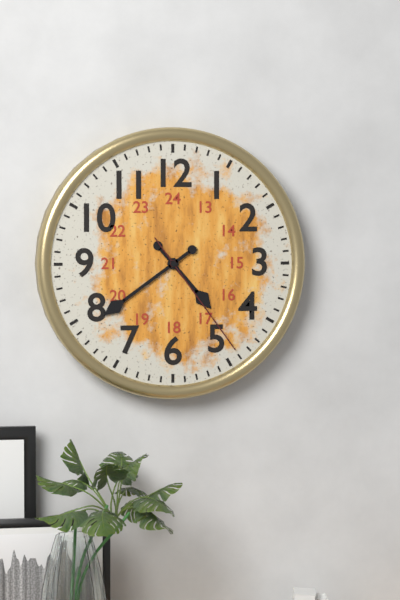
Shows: h=4 m=39 s=24
